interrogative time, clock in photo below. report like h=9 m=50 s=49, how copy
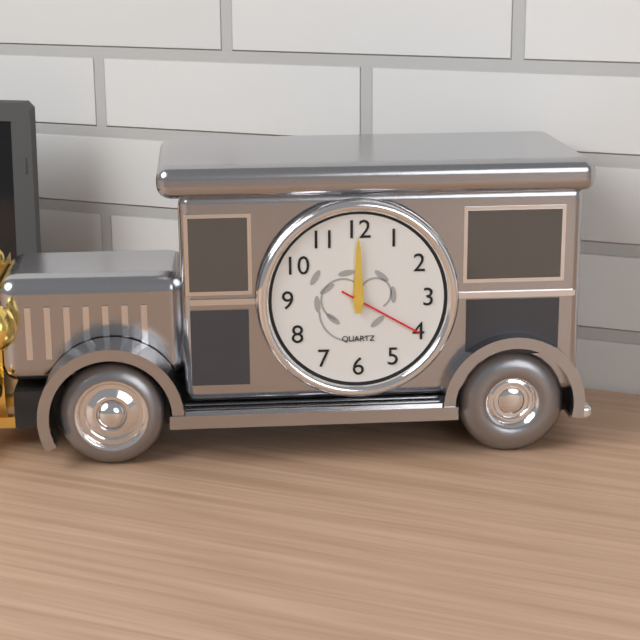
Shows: h=12 m=0 s=20
